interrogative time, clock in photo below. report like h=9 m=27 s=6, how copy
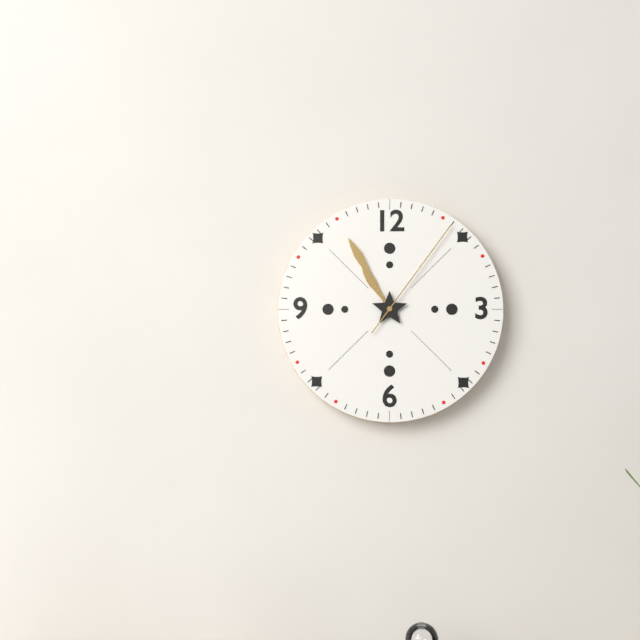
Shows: h=10 m=55 s=6
